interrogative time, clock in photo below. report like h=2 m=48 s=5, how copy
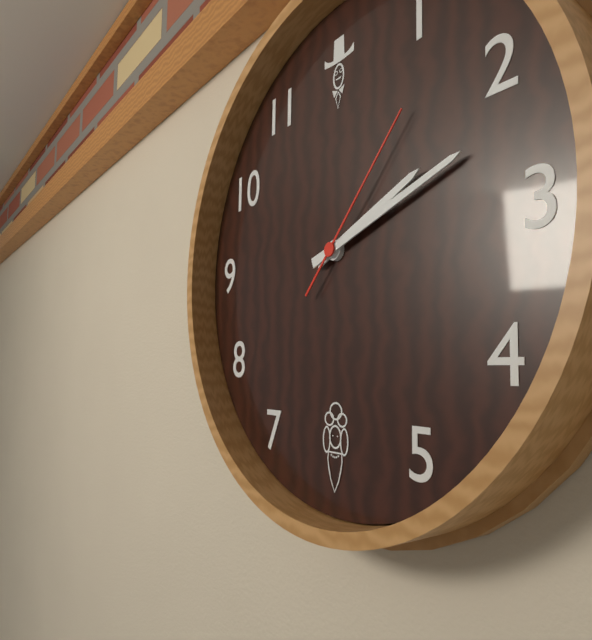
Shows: h=2 m=12 s=7
